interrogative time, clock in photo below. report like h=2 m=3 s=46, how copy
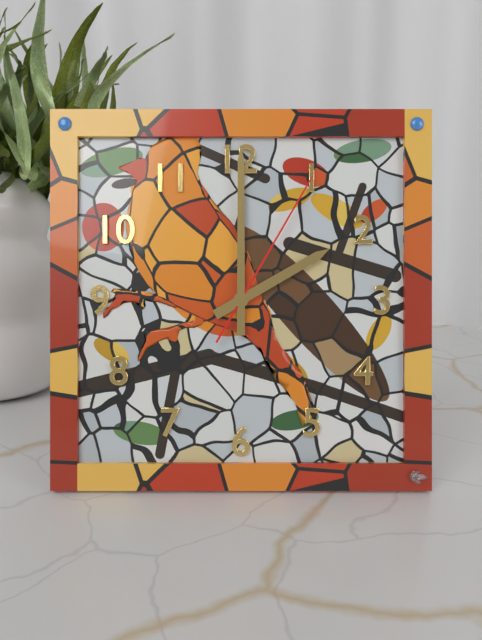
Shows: h=2 m=0 s=5
